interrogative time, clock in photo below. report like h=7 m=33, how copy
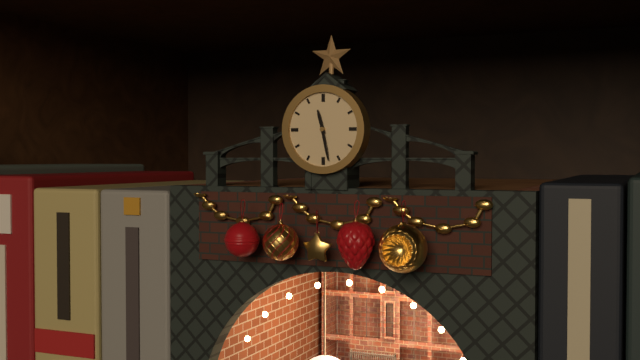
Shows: h=11 m=28
